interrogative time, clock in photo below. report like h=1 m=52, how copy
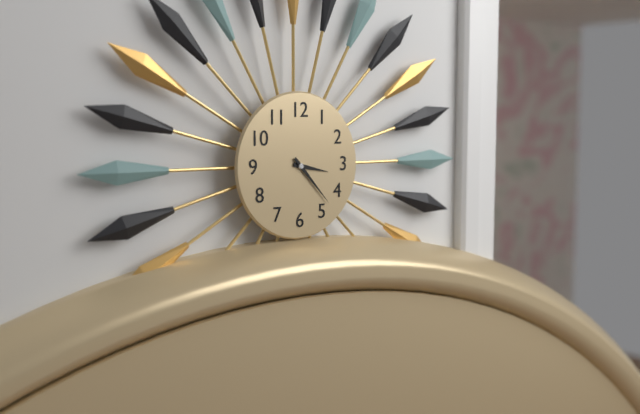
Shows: h=3 m=23
